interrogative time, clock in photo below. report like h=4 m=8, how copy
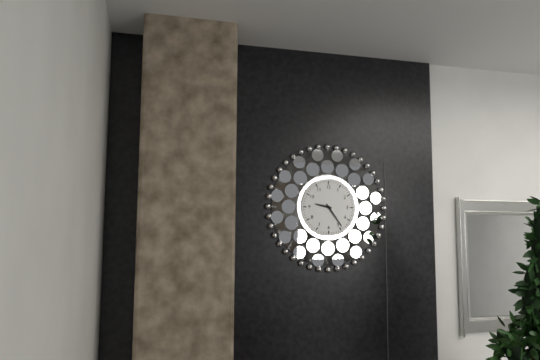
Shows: h=9 m=24
